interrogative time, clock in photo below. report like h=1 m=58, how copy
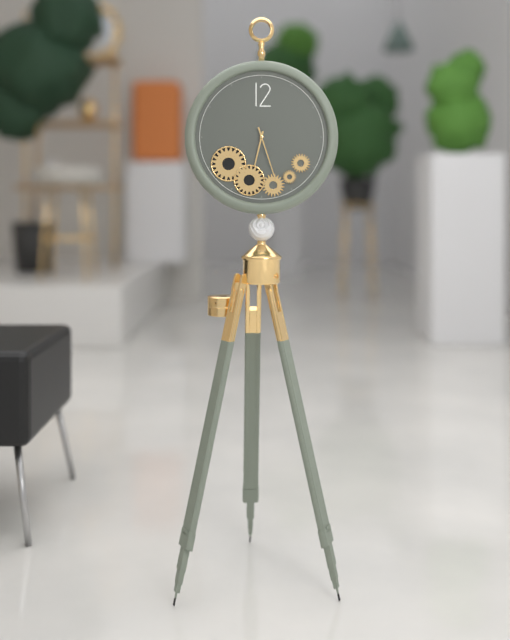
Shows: h=6 m=27
